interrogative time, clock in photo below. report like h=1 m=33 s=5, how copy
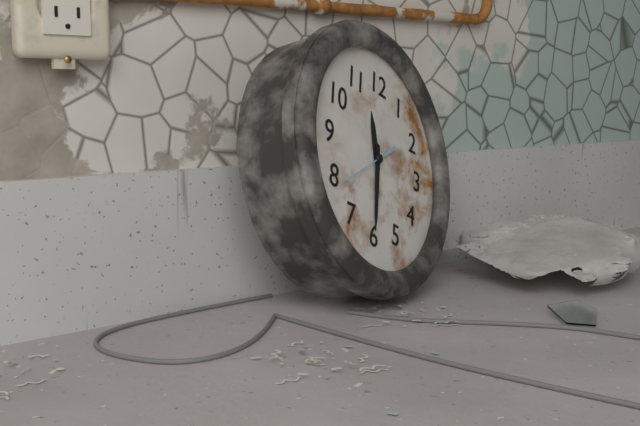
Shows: h=11 m=30 s=39
